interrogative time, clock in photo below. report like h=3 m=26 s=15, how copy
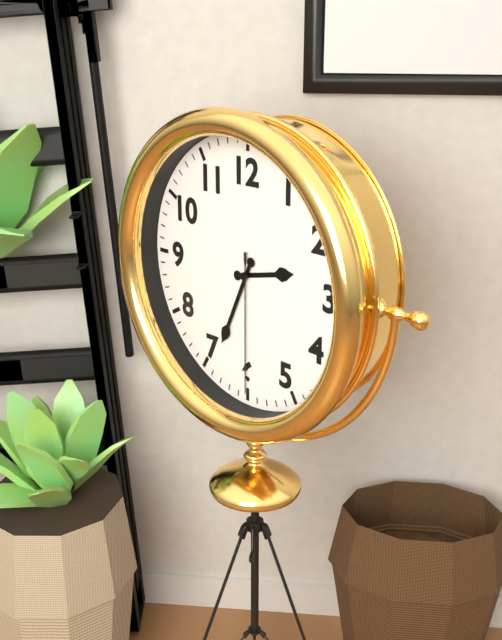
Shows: h=2 m=34 s=30
